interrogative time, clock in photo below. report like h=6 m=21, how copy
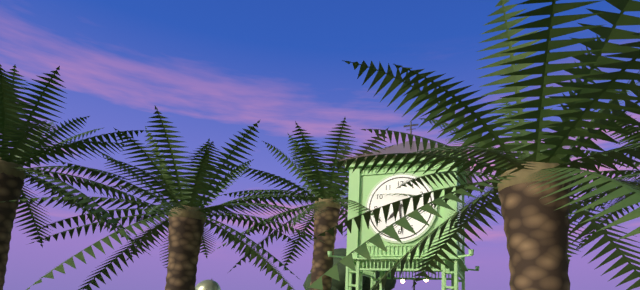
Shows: h=7 m=29
